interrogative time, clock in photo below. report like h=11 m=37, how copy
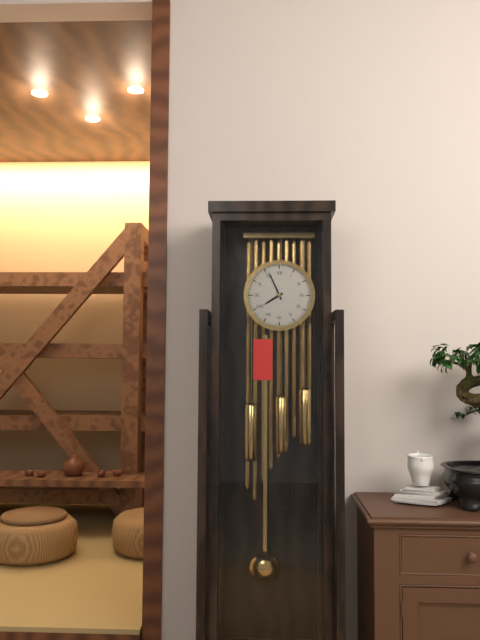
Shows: h=7 m=56
